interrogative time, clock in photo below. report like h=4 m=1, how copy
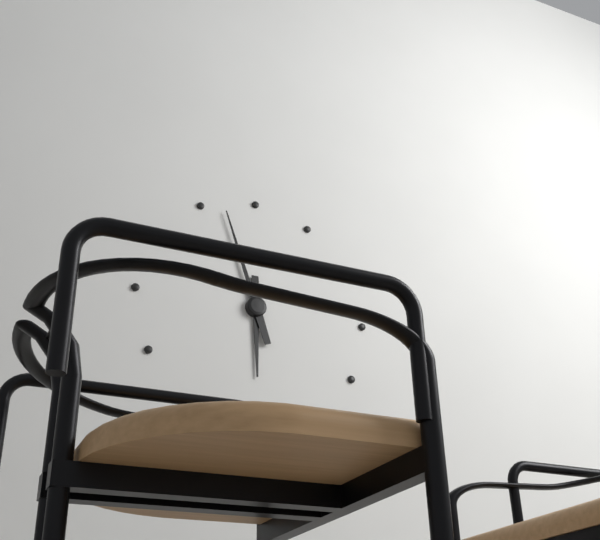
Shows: h=5 m=57
